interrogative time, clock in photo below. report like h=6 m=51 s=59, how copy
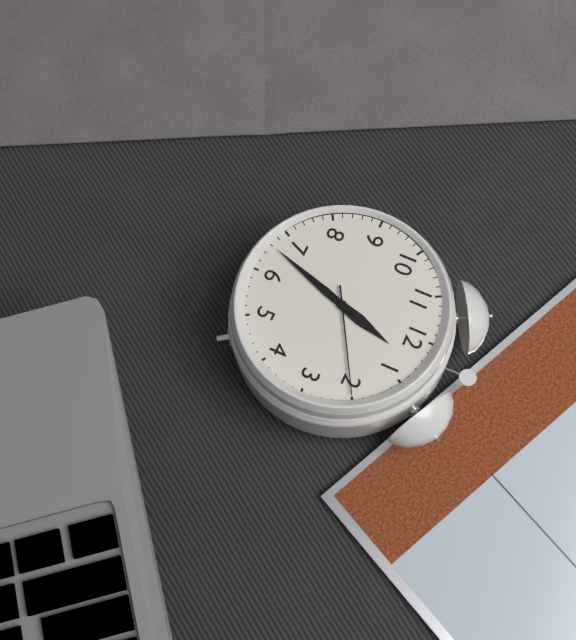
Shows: h=12 m=33 s=10
